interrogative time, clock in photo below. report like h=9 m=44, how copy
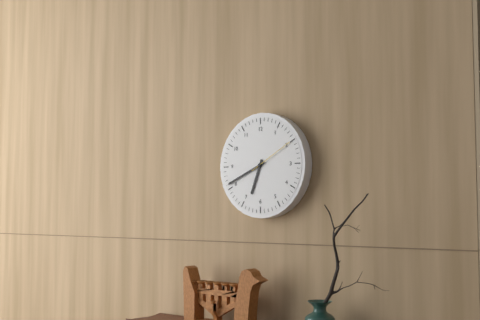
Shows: h=6 m=41
